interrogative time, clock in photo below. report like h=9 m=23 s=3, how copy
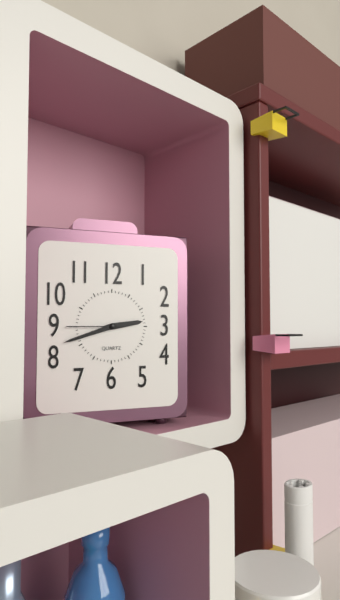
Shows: h=2 m=42 s=45
